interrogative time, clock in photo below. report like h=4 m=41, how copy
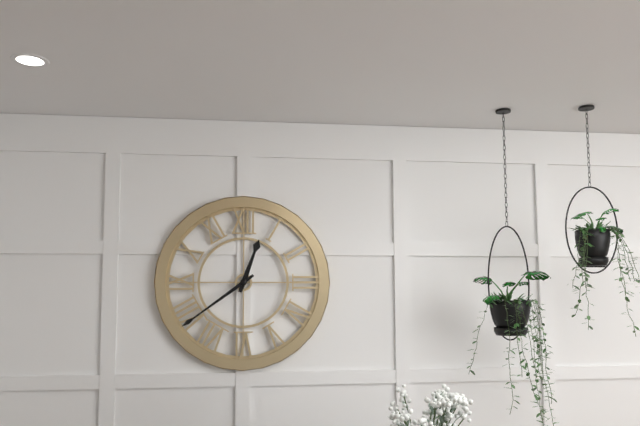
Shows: h=12 m=39
